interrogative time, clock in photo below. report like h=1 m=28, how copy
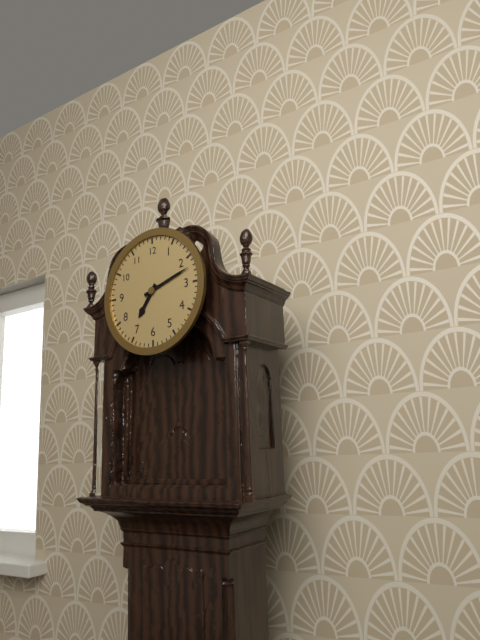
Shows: h=7 m=12
